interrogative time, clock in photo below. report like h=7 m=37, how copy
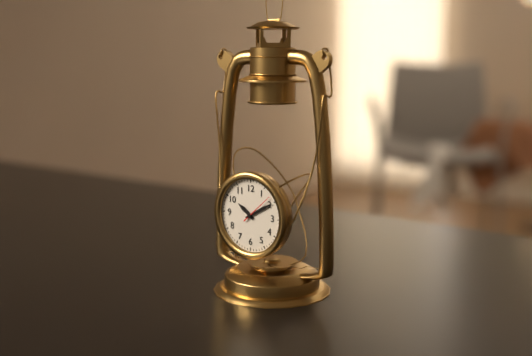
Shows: h=10 m=10
